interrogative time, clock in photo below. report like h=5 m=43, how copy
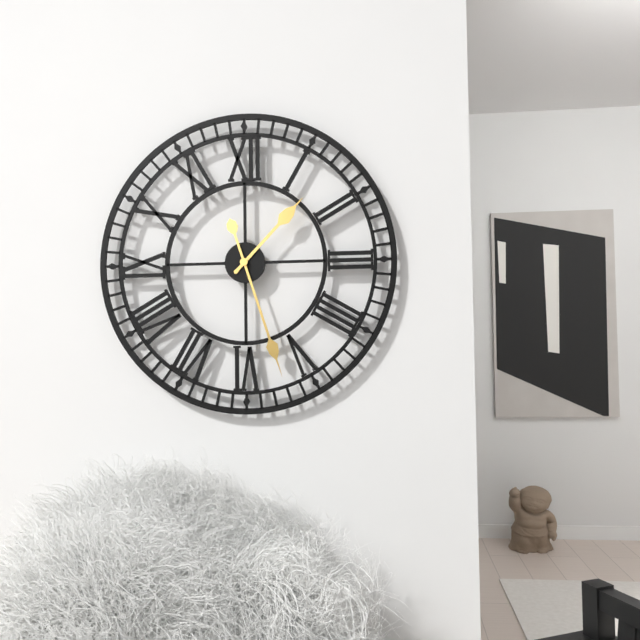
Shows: h=1 m=27
